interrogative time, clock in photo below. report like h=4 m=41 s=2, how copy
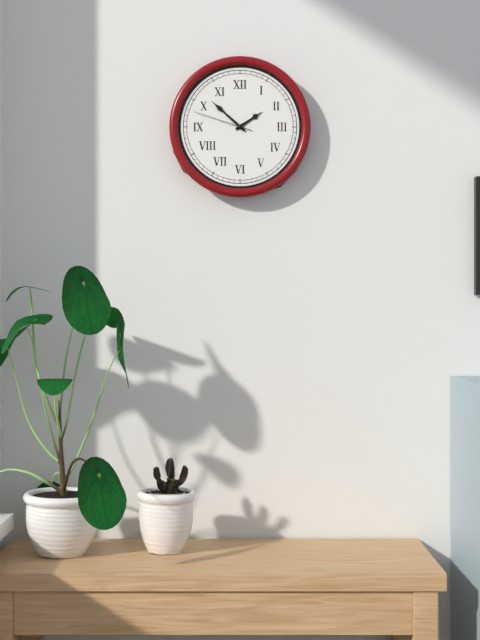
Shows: h=1 m=52 s=48
